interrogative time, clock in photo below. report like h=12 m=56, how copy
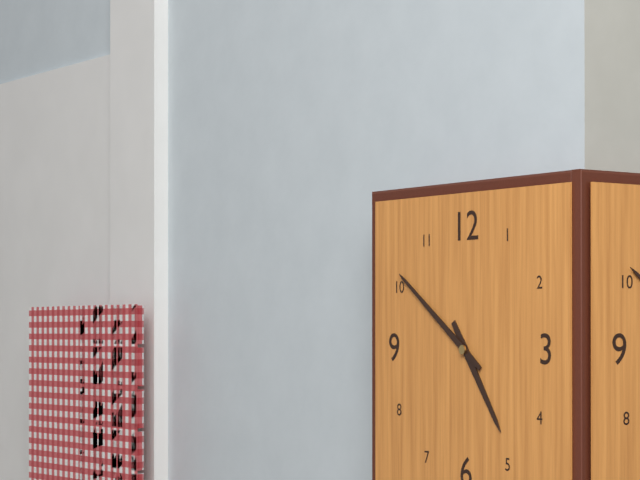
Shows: h=4 m=51
